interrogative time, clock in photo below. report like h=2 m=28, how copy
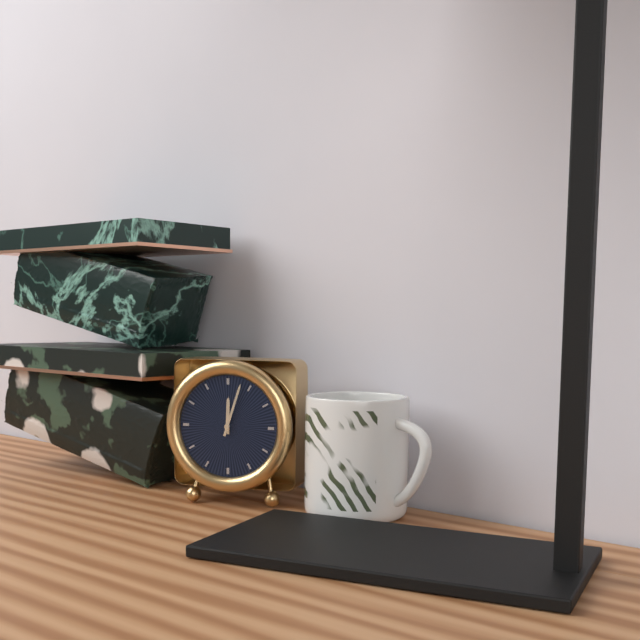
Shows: h=12 m=3
